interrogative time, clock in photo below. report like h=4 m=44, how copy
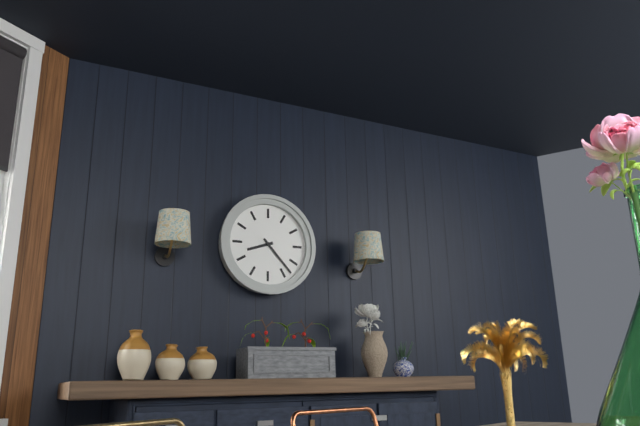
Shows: h=8 m=23
